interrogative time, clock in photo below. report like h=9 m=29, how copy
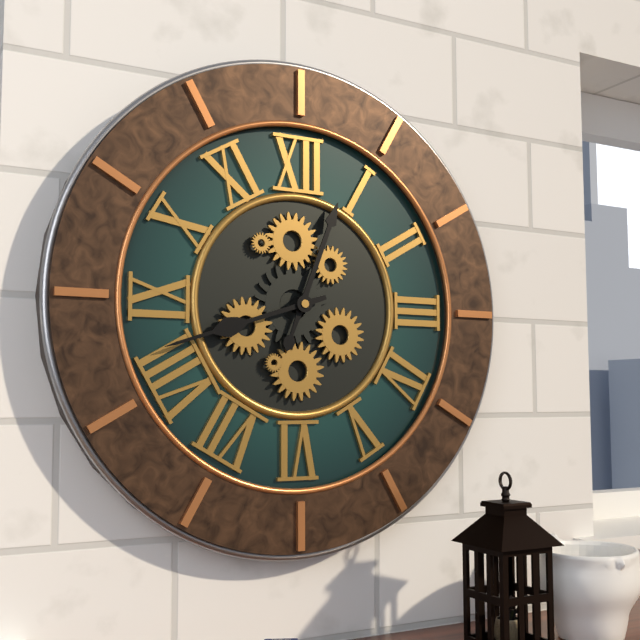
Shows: h=12 m=42
